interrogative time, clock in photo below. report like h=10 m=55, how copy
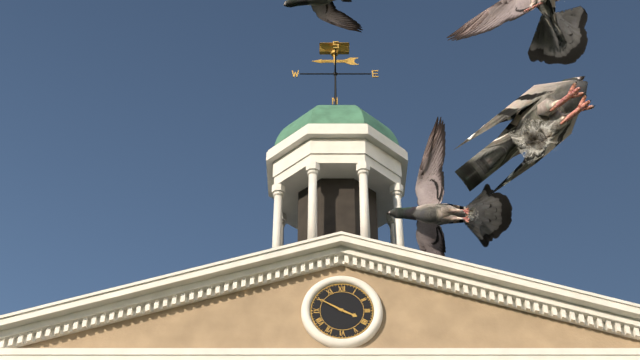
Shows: h=3 m=50
